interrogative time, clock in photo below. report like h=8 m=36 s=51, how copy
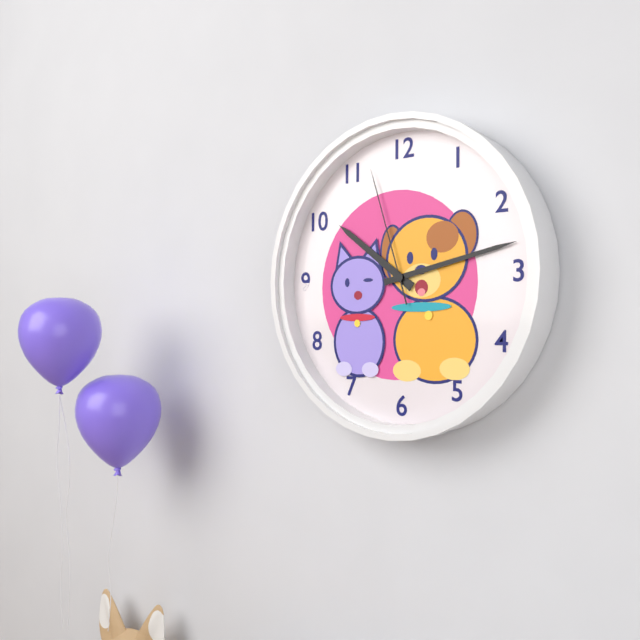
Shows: h=10 m=13 s=57
